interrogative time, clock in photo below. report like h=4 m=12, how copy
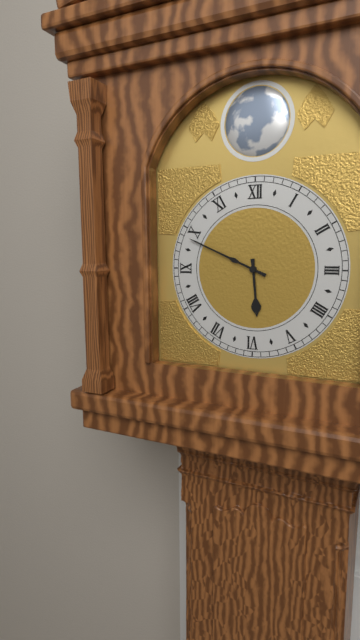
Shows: h=5 m=49
